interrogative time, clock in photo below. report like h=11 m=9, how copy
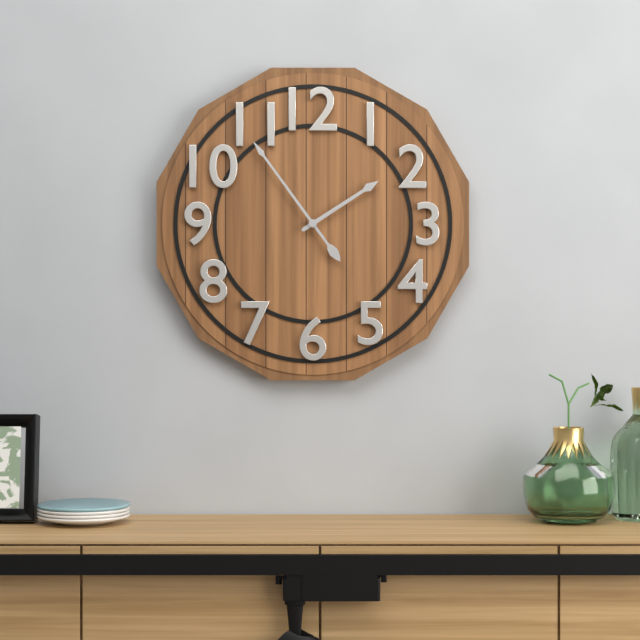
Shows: h=1 m=54
